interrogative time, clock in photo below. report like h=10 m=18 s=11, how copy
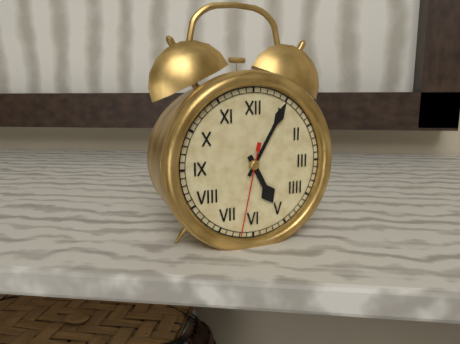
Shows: h=5 m=5 s=32
